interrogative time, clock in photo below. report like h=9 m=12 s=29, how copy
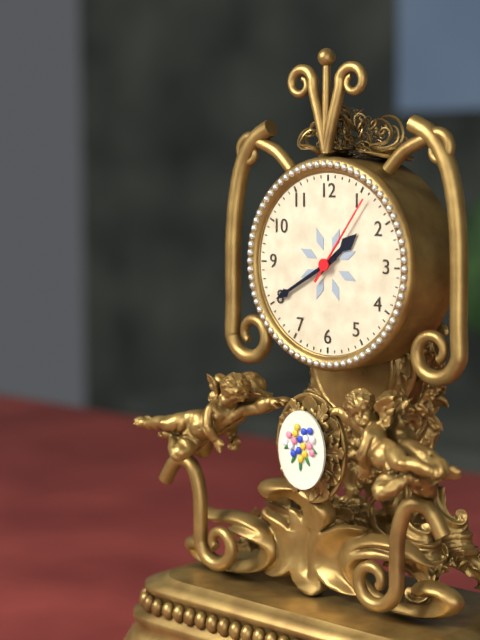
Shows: h=1 m=40 s=6
